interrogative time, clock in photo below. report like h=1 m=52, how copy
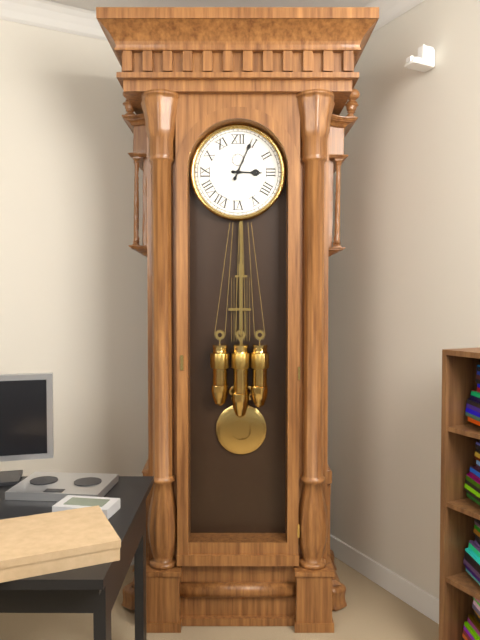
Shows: h=3 m=4
